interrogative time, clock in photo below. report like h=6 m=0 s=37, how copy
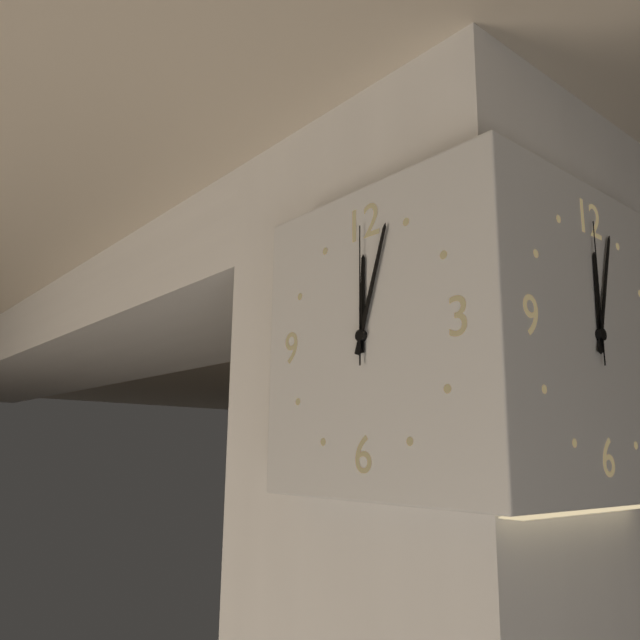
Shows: h=12 m=3 s=0
